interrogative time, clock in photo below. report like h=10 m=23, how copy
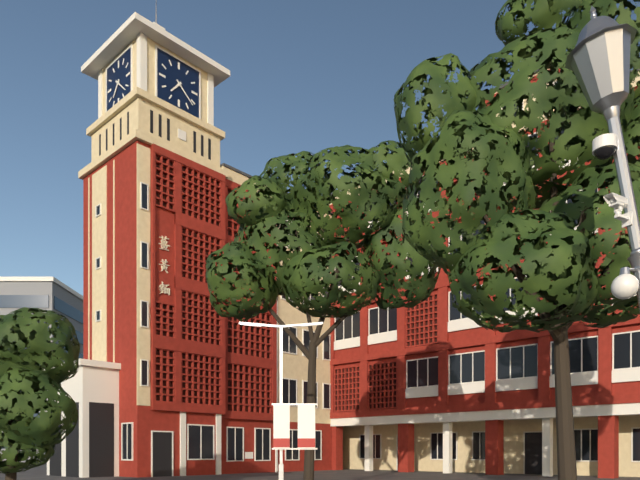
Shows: h=7 m=22
